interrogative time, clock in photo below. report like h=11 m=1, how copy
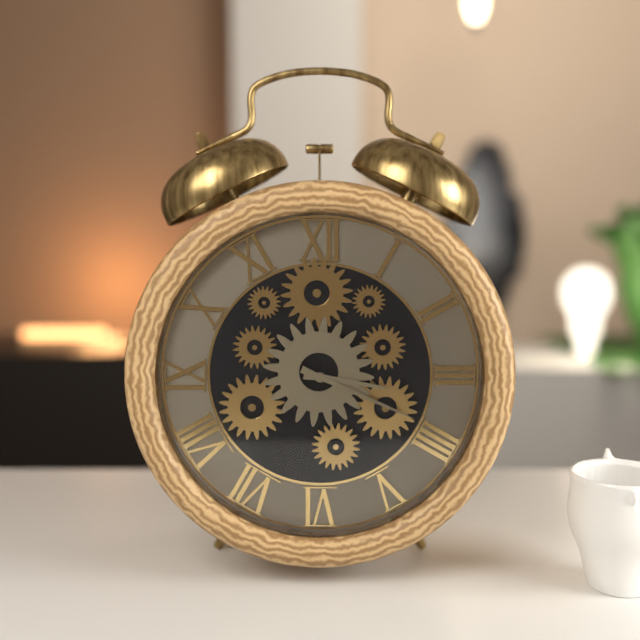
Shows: h=3 m=19
